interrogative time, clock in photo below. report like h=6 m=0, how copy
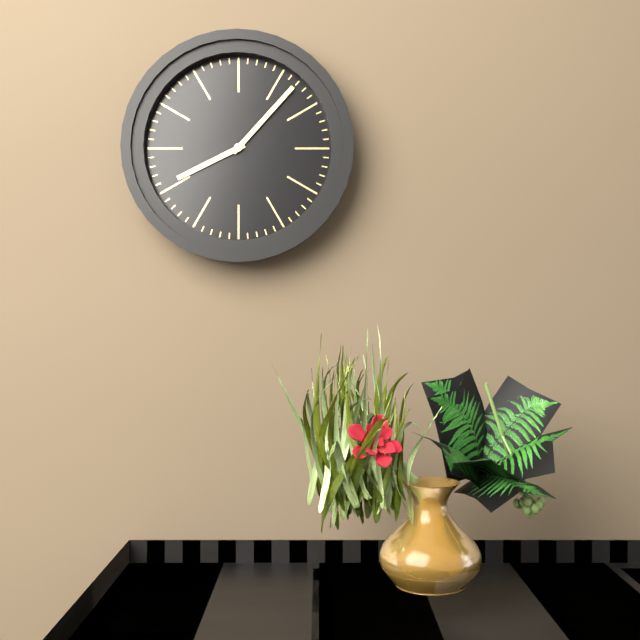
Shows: h=8 m=7
